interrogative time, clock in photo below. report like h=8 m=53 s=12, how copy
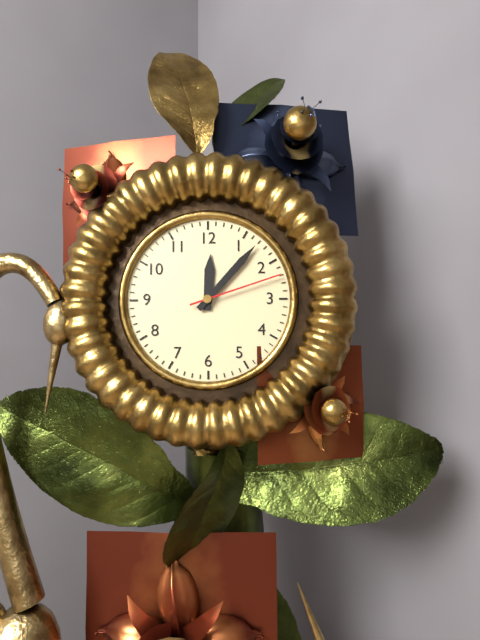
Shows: h=12 m=7 s=12
